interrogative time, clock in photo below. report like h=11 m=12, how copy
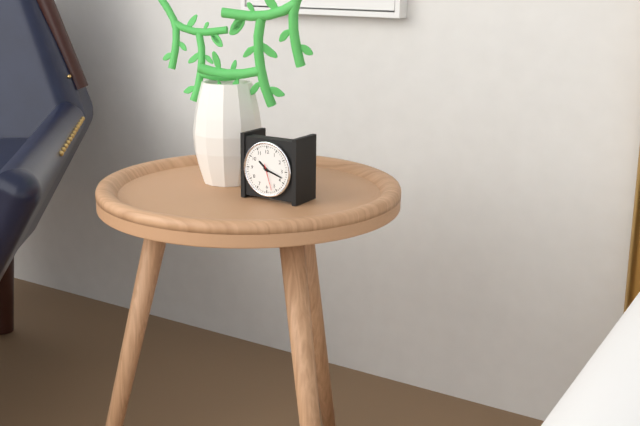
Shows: h=10 m=18
